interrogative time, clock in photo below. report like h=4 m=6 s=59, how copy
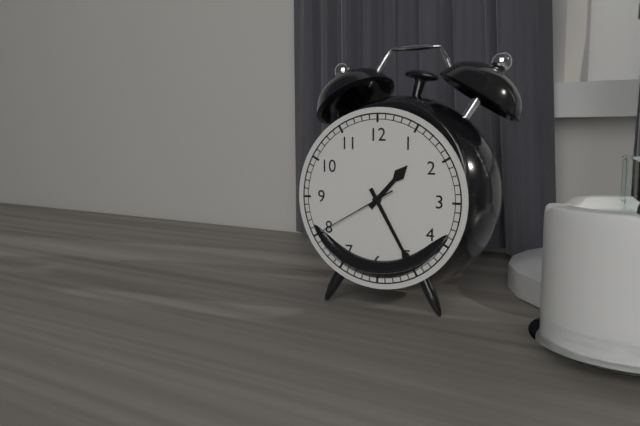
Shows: h=1 m=25 s=40
